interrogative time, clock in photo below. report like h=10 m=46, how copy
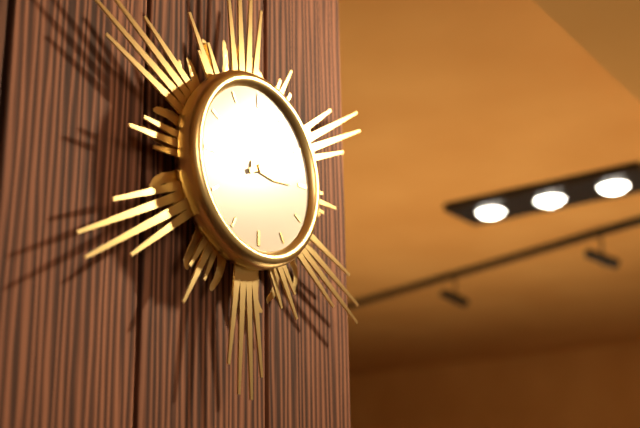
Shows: h=3 m=11
